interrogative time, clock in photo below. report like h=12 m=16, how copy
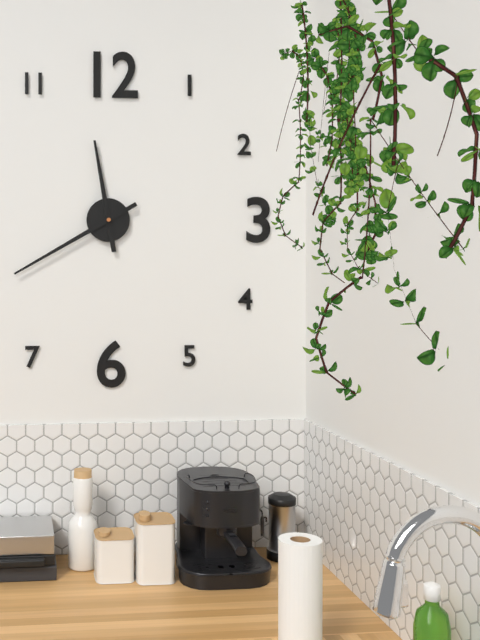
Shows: h=11 m=40
